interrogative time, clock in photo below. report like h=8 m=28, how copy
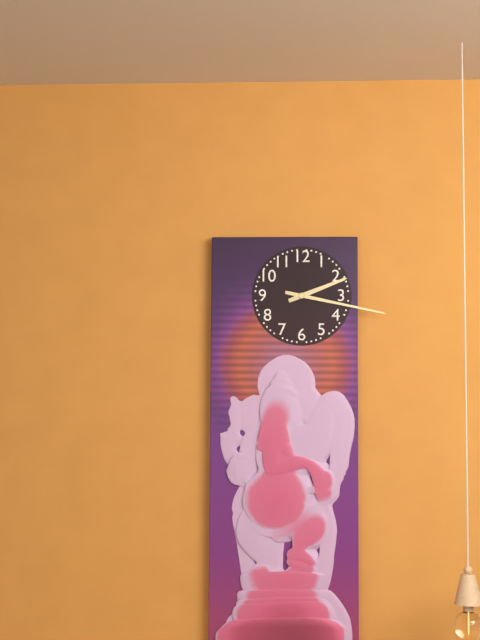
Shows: h=2 m=17
